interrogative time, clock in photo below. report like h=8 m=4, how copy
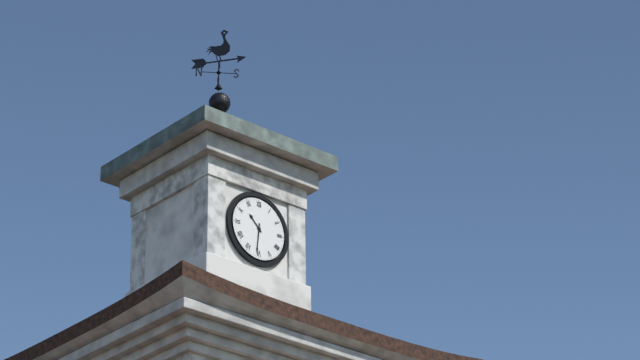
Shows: h=10 m=31
